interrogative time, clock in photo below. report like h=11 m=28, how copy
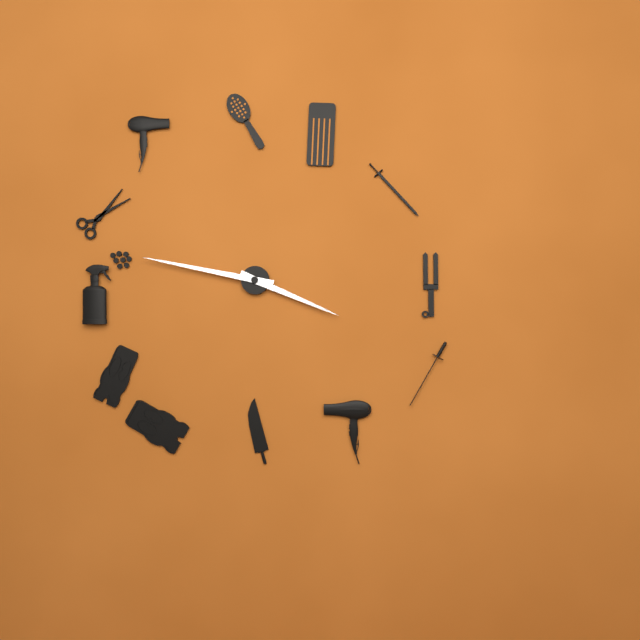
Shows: h=3 m=47
